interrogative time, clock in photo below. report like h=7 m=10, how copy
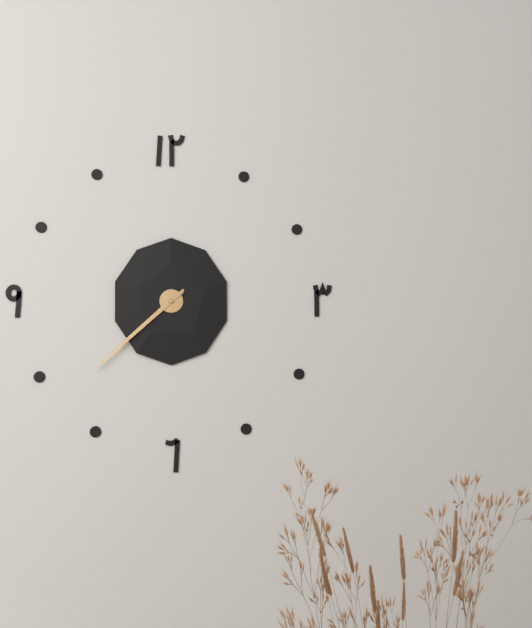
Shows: h=7 m=38
